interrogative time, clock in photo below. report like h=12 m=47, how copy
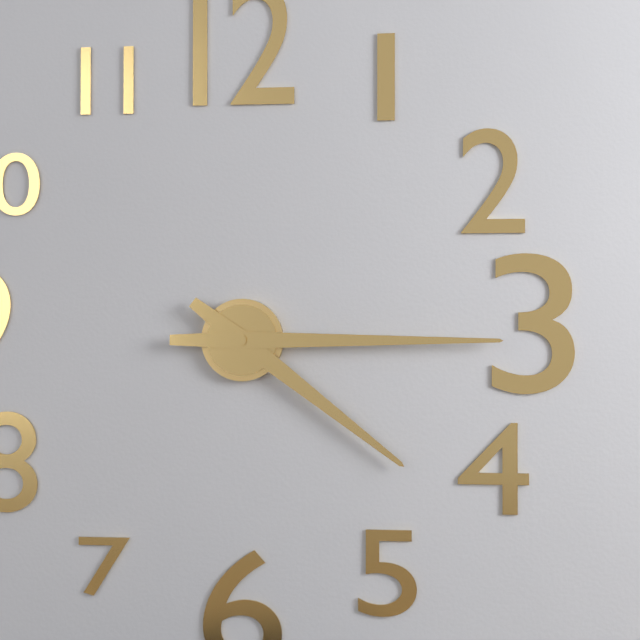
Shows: h=4 m=15
